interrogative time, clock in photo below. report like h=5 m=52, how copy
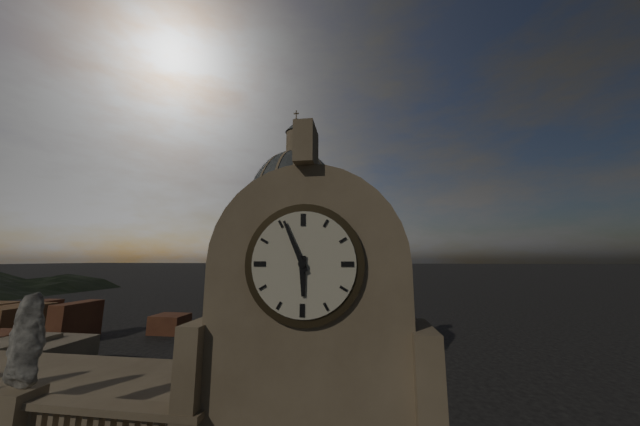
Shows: h=5 m=56
